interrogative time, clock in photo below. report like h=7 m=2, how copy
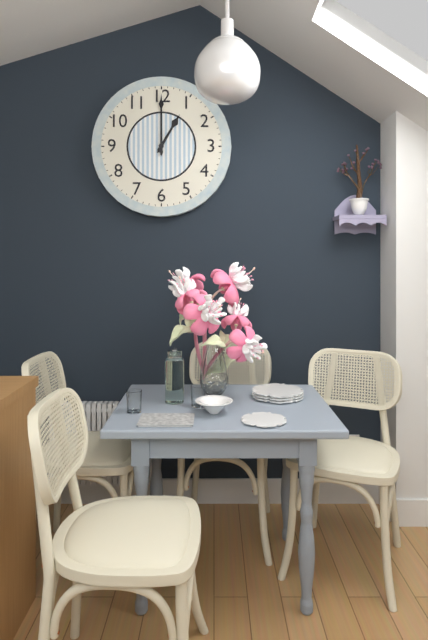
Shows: h=1 m=0
